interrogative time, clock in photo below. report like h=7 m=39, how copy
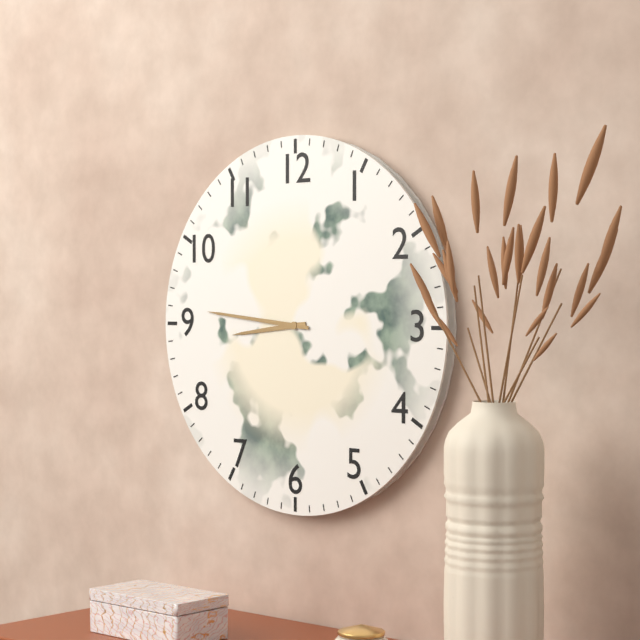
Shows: h=8 m=46
